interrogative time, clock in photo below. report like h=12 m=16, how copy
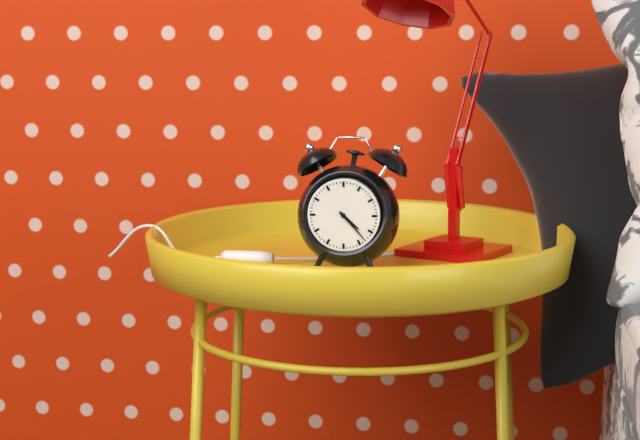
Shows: h=4 m=23
